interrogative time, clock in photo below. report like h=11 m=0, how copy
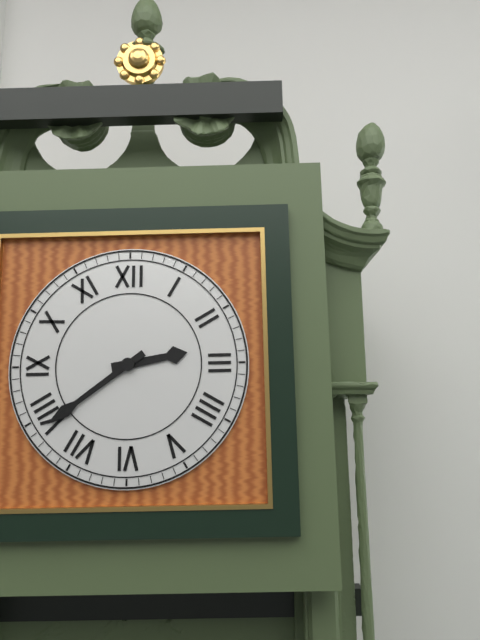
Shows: h=2 m=39
